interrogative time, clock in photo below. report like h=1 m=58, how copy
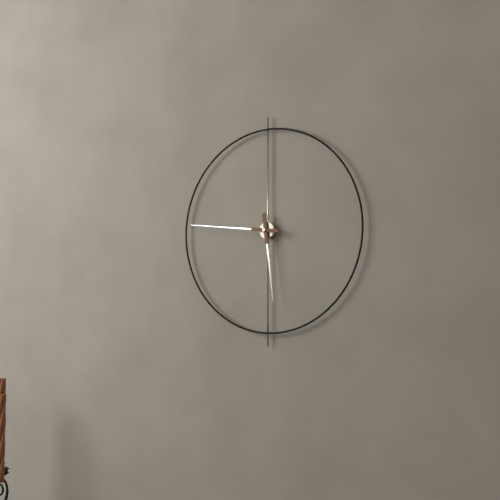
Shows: h=5 m=46
